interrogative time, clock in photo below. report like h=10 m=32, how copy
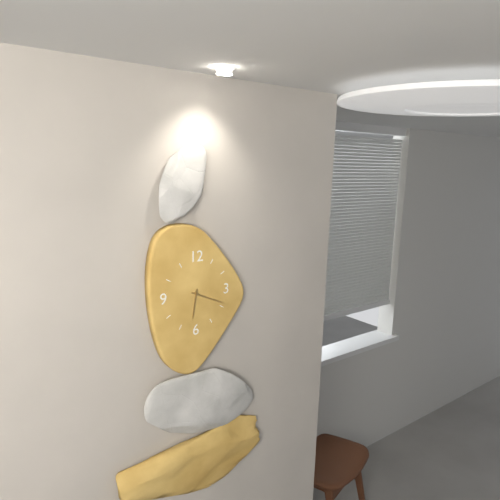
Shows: h=6 m=19
